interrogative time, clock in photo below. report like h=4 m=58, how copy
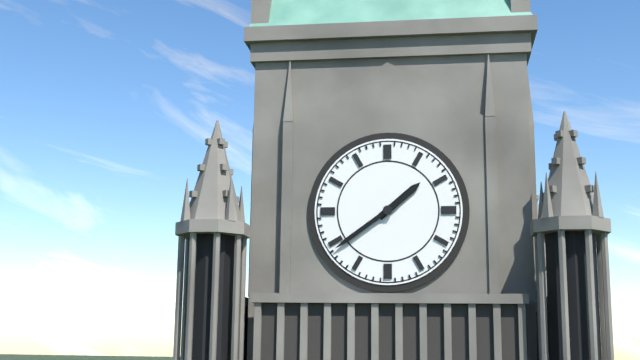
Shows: h=1 m=39
